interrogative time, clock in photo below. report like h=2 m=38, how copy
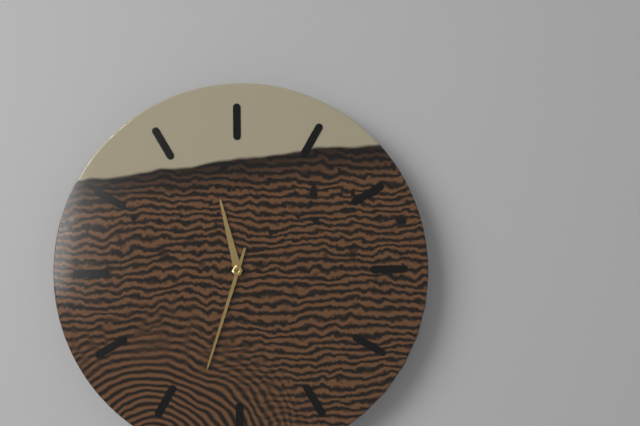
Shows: h=11 m=33
